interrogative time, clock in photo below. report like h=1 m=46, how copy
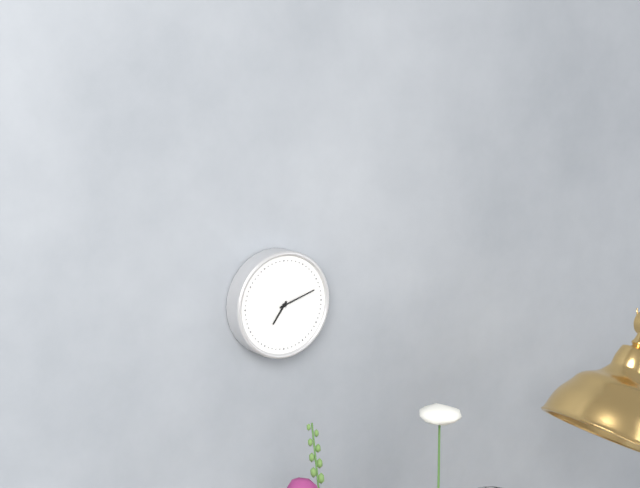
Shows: h=7 m=12
